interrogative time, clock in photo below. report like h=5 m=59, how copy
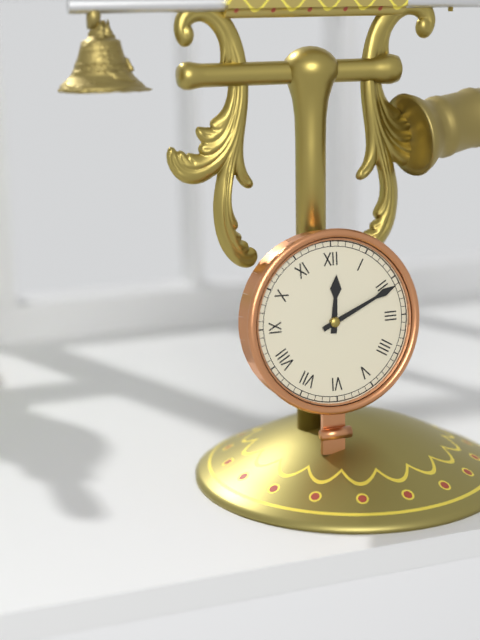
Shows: h=12 m=11
